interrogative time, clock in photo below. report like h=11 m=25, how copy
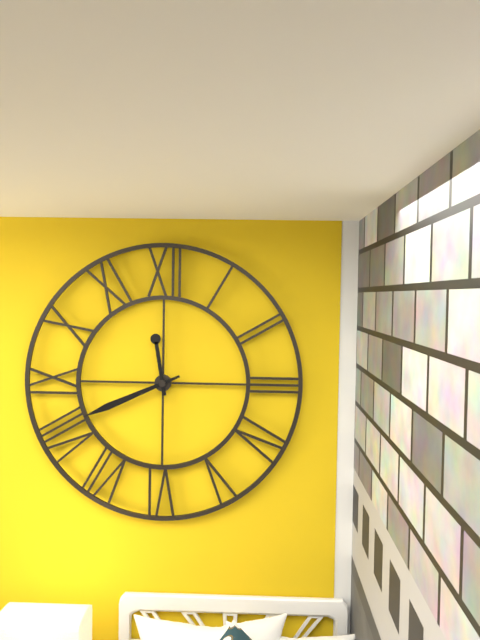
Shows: h=11 m=41
